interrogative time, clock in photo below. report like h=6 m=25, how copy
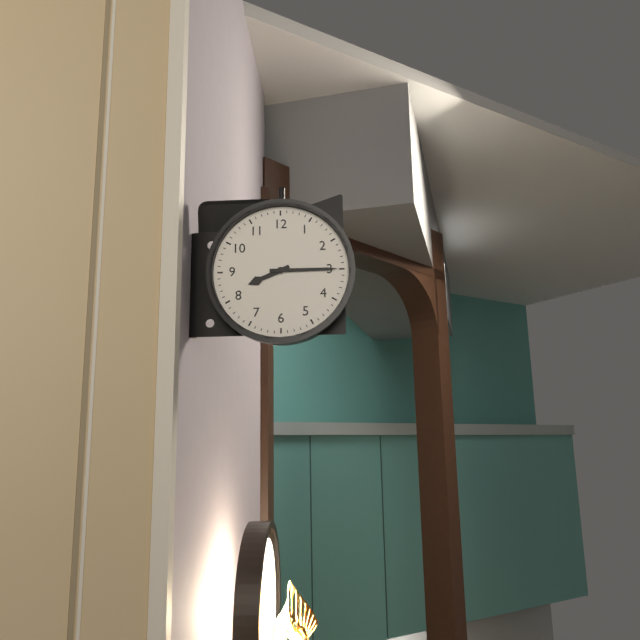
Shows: h=8 m=15
